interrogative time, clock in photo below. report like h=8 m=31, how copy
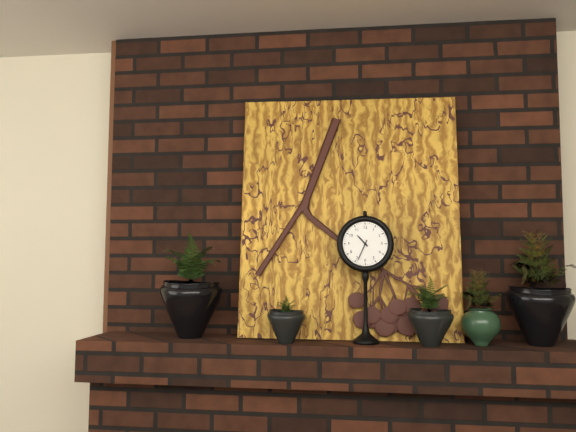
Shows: h=10 m=34
